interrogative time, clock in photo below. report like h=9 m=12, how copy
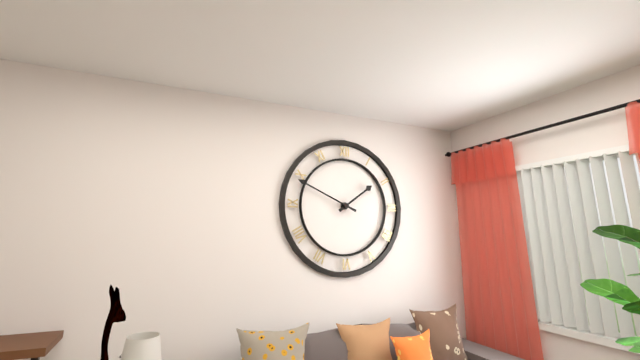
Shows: h=1 m=49
